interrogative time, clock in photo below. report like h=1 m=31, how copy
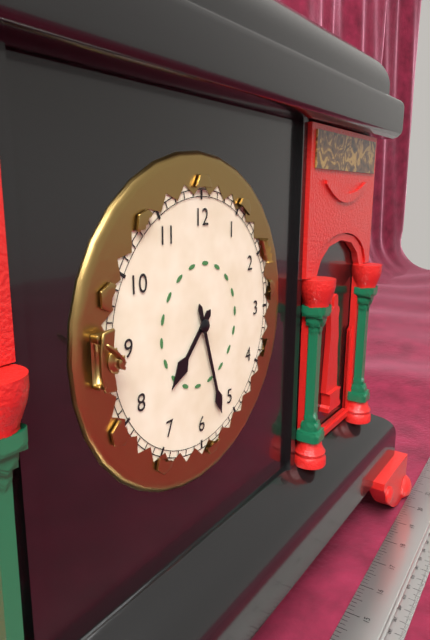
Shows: h=7 m=27
